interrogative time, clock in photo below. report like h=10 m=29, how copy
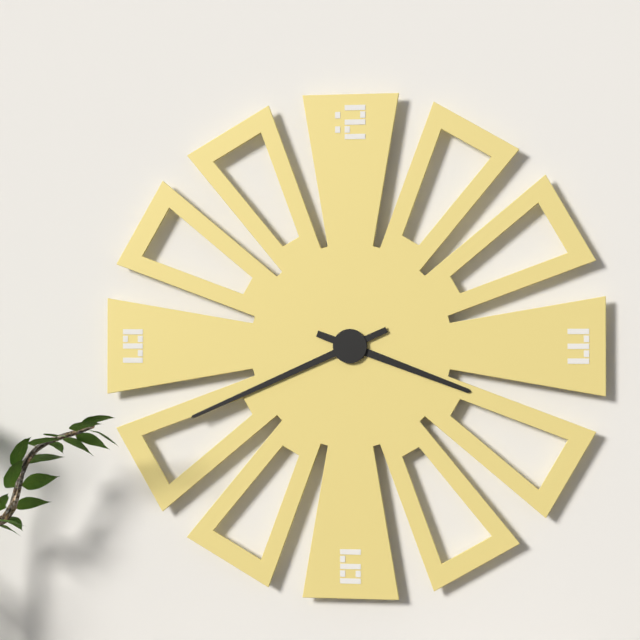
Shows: h=3 m=41
